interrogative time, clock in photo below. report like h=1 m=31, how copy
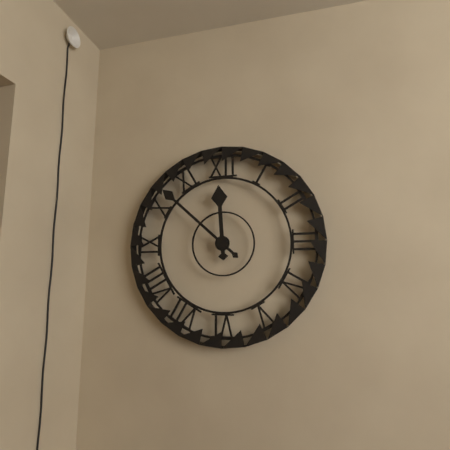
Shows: h=11 m=52
